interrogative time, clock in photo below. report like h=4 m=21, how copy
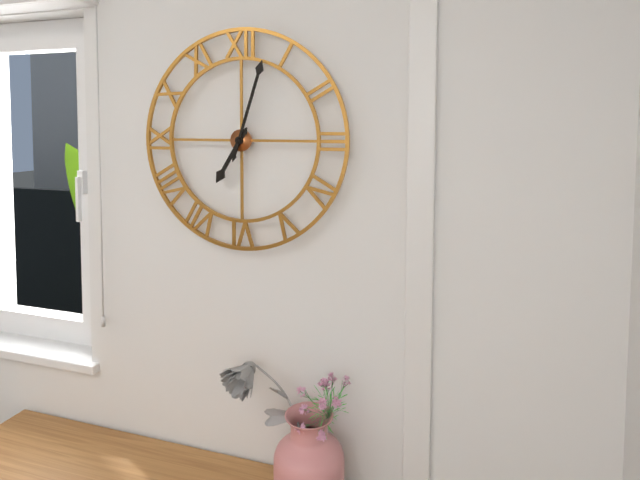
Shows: h=7 m=3
